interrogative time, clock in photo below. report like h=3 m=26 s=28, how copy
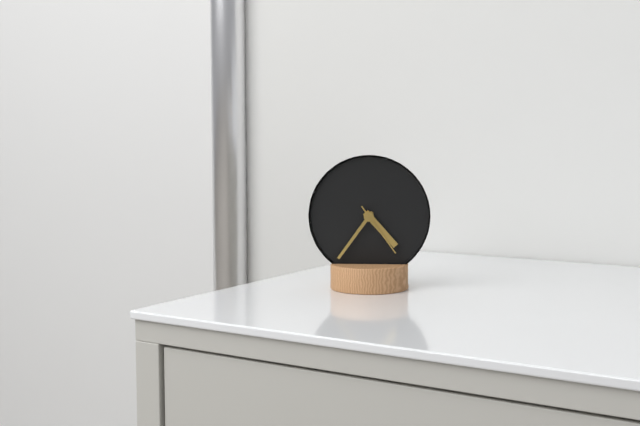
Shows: h=4 m=36 s=24
